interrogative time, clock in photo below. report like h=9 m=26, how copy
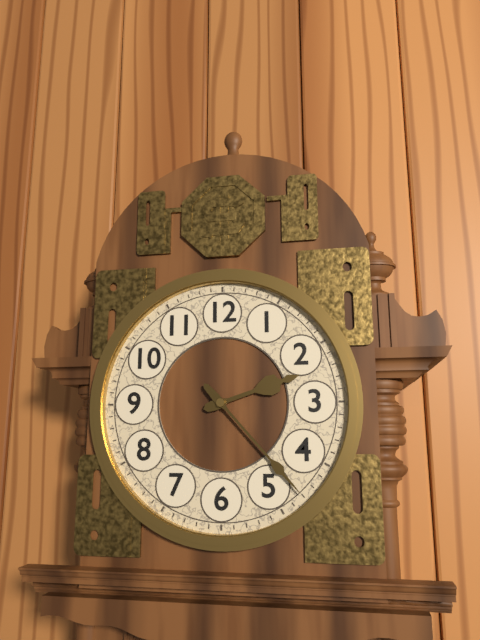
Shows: h=2 m=23
